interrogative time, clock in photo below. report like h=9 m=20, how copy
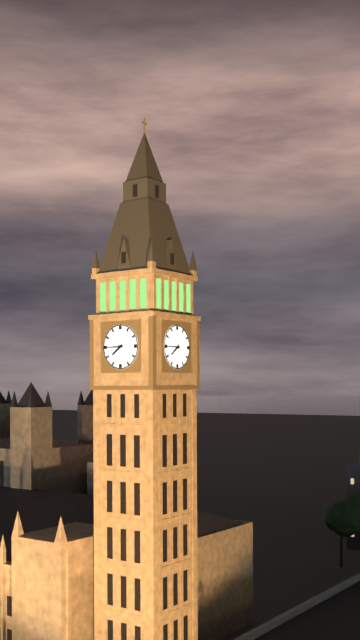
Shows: h=7 m=45
